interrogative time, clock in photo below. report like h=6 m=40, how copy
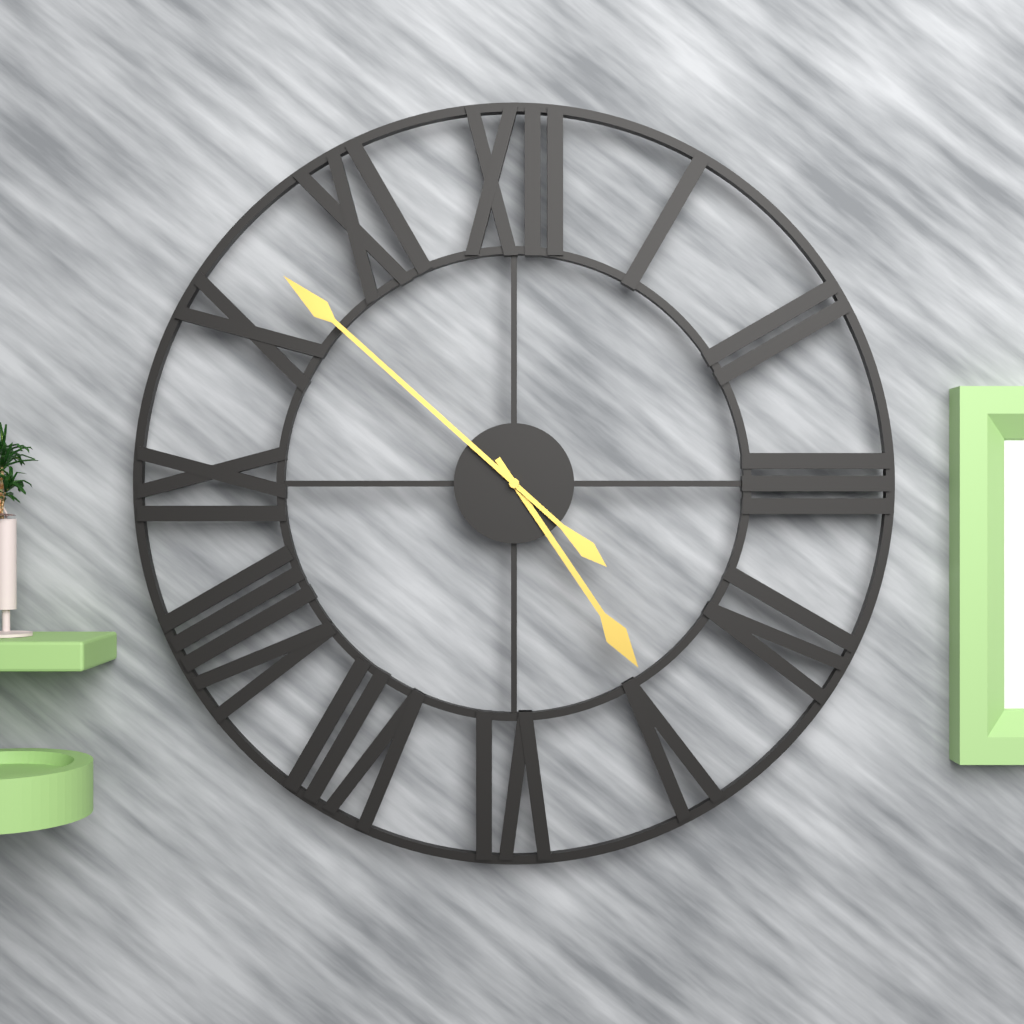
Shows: h=4 m=52
